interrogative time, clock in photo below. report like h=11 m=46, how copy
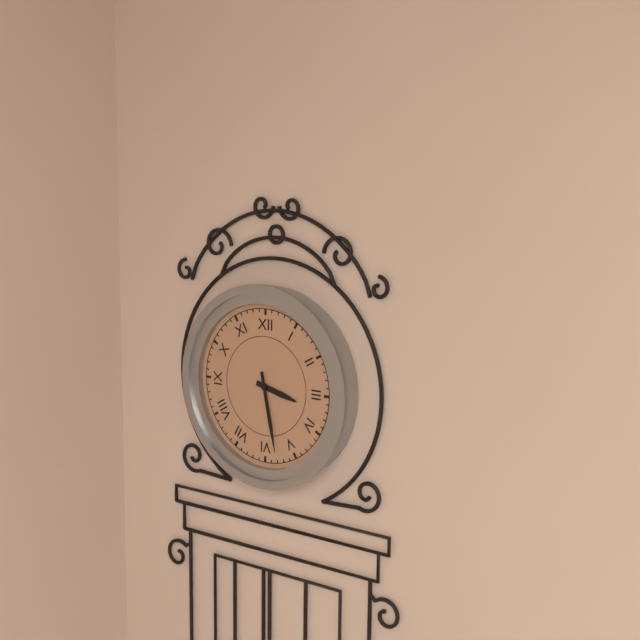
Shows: h=3 m=28
